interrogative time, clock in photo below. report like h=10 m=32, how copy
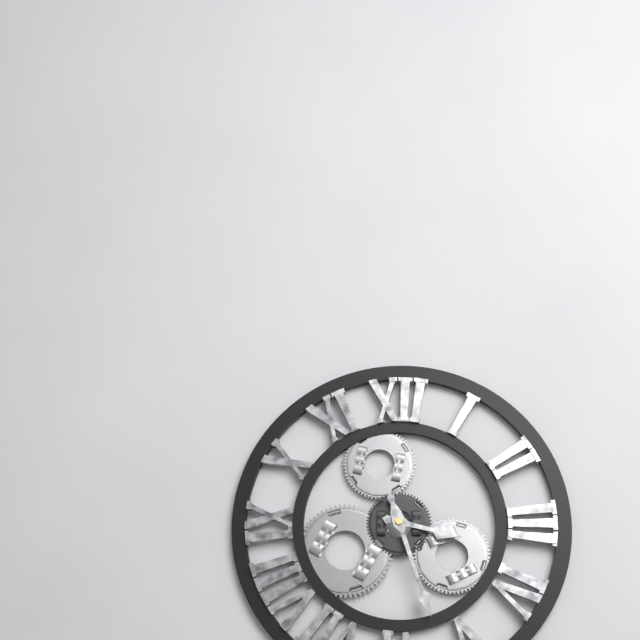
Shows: h=3 m=27
